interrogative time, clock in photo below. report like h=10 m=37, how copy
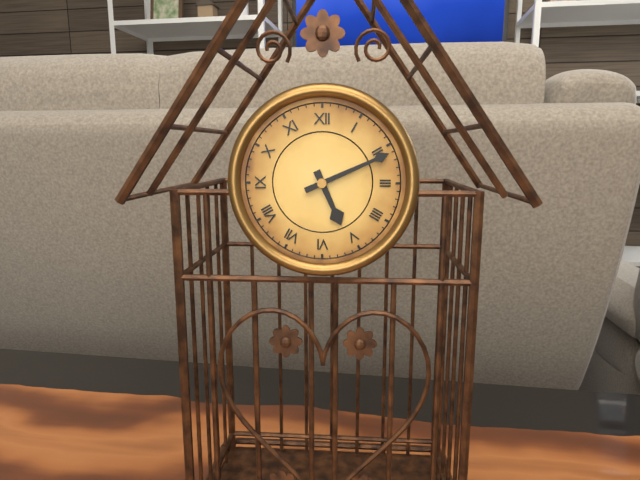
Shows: h=5 m=11
